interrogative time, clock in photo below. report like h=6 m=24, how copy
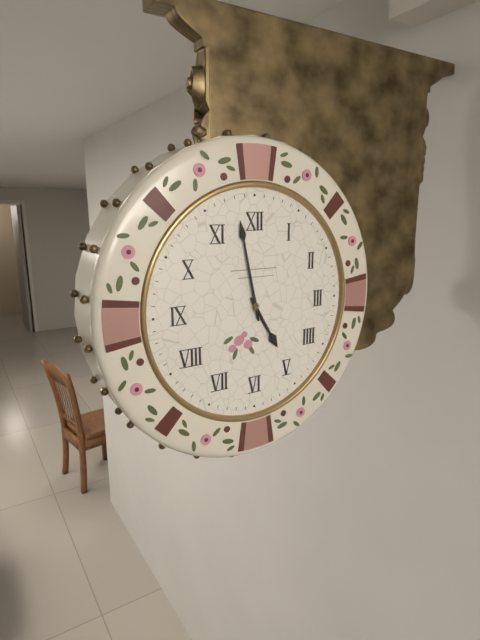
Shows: h=4 m=58
